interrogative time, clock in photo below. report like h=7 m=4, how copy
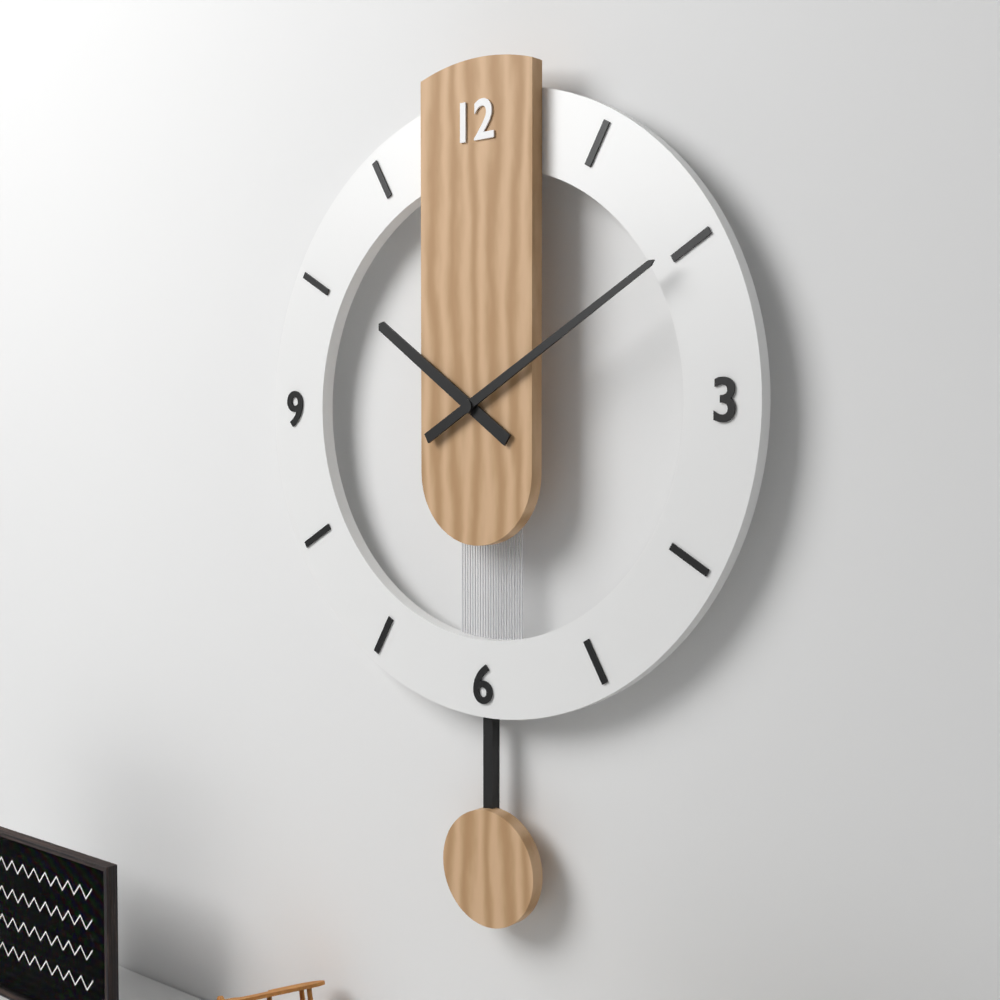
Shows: h=10 m=10
